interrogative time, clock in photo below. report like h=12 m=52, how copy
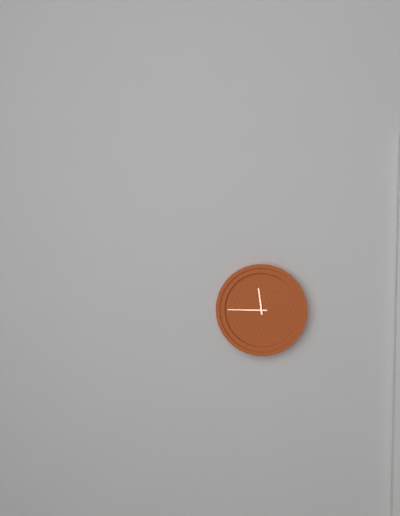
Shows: h=11 m=45
